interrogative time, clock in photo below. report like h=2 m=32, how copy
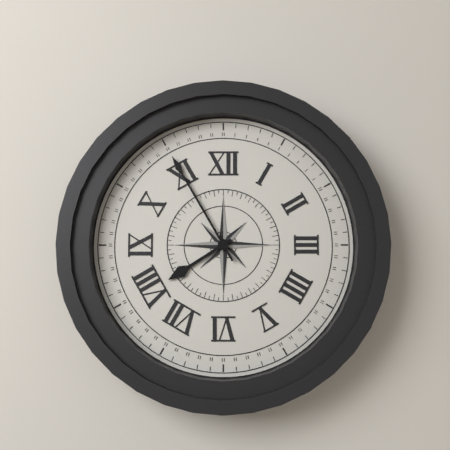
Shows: h=7 m=55
